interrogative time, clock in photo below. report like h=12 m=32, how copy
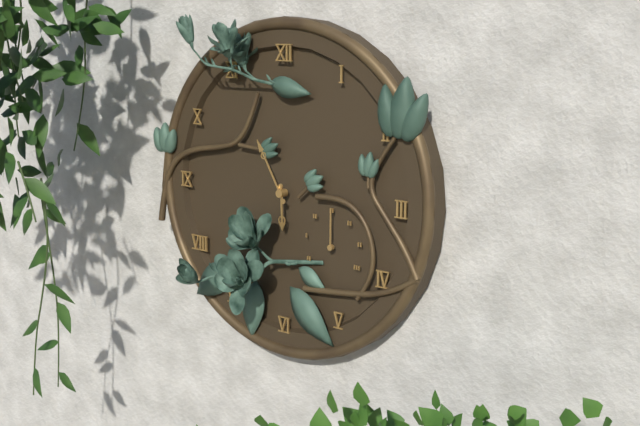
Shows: h=5 m=55
